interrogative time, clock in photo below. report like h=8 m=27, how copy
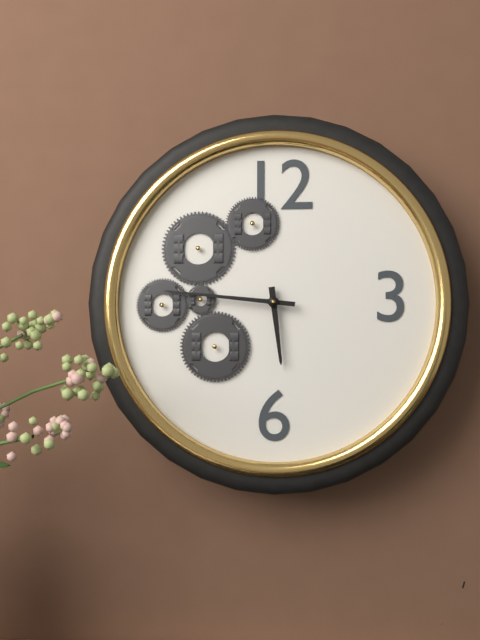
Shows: h=5 m=46
